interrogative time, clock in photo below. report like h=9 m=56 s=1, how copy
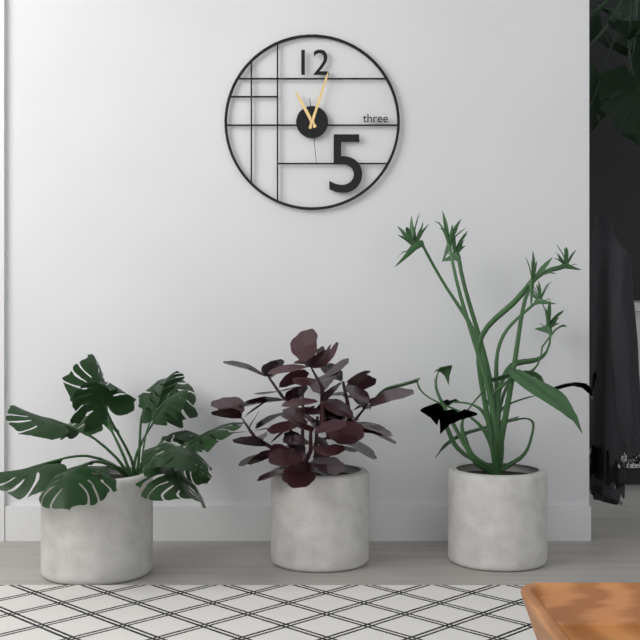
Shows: h=11 m=3 s=29
